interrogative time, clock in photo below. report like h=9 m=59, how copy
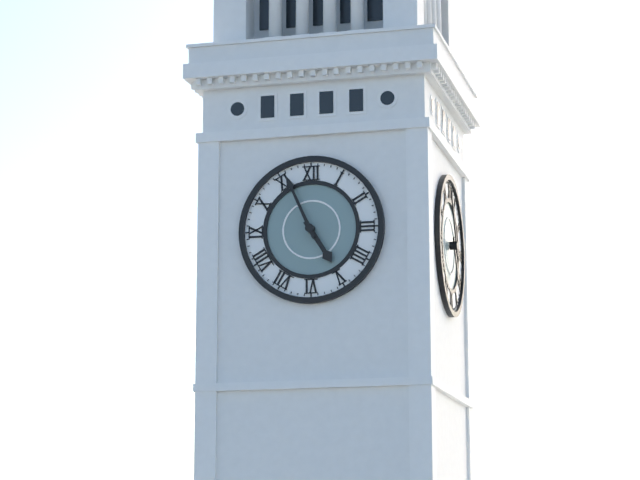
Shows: h=4 m=56
